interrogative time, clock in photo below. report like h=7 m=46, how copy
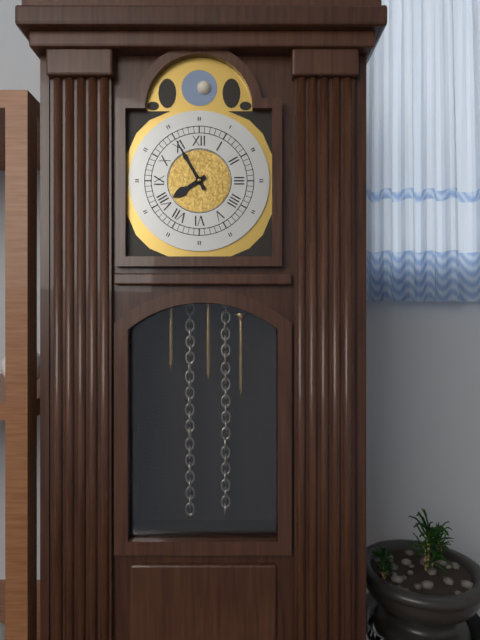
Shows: h=7 m=55
